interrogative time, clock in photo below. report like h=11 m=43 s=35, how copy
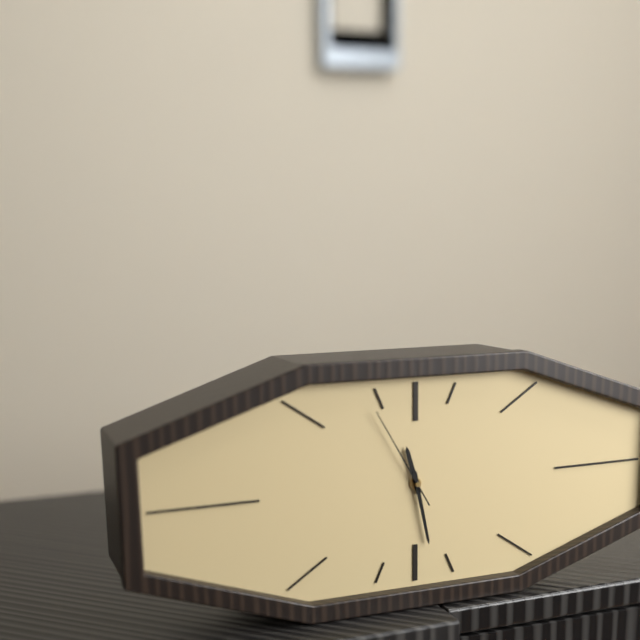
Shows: h=11 m=28 s=55
